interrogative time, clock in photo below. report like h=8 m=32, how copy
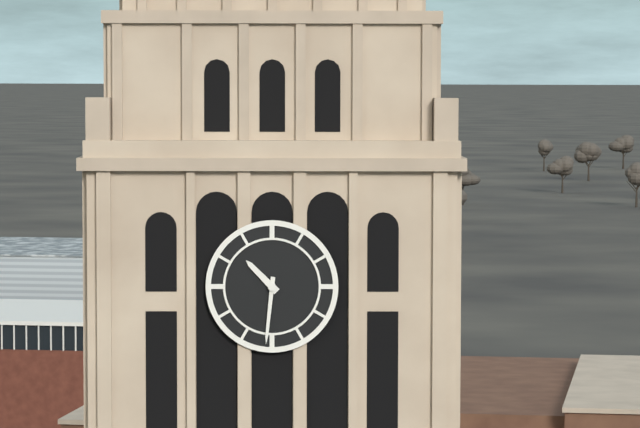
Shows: h=10 m=31
